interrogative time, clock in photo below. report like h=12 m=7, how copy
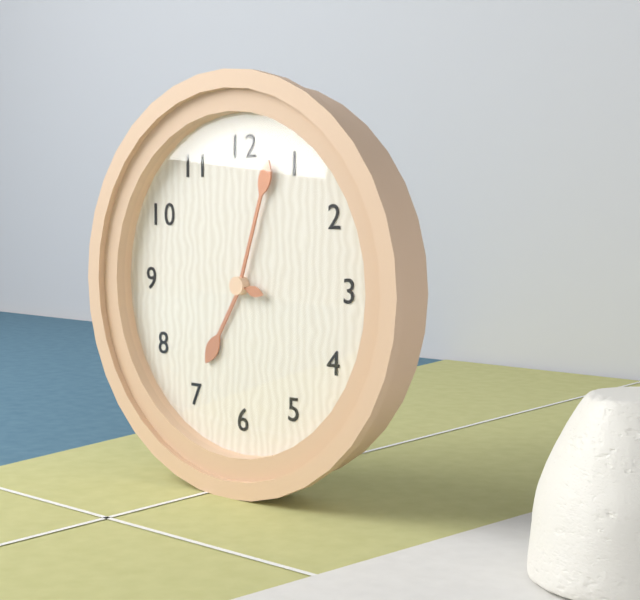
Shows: h=7 m=3
